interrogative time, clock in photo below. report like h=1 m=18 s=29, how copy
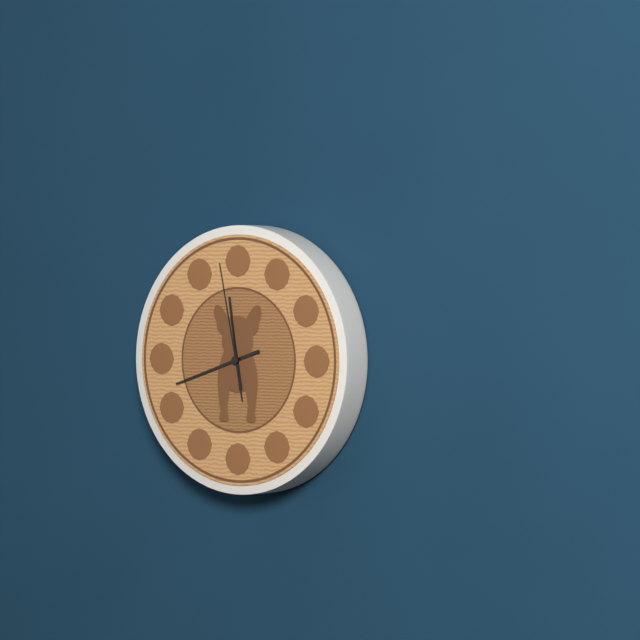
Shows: h=11 m=42 s=58
